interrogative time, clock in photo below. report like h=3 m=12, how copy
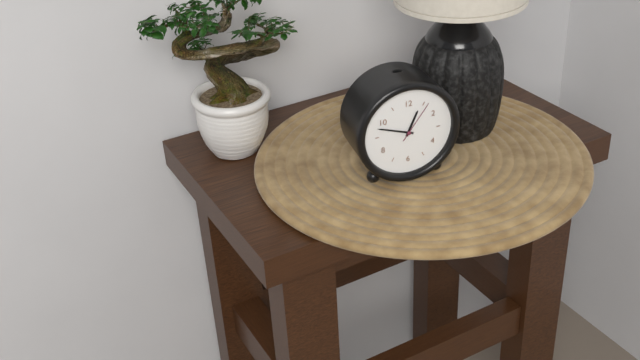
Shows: h=12 m=48
